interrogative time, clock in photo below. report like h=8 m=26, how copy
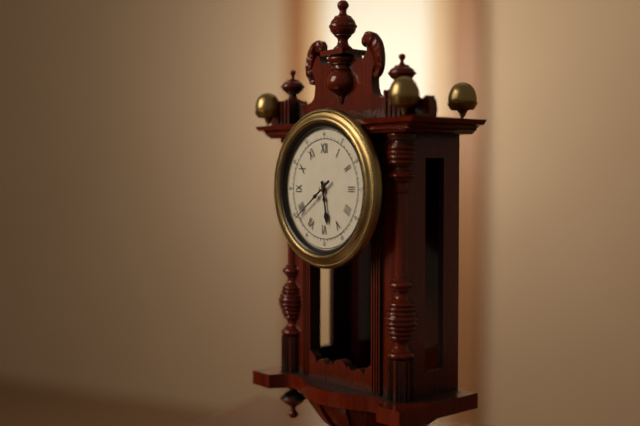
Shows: h=5 m=39
